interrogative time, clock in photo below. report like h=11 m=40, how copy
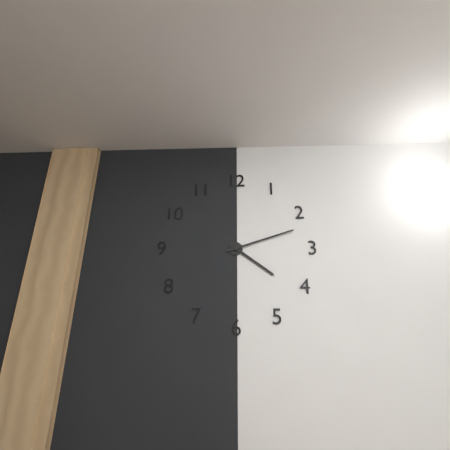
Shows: h=4 m=12
